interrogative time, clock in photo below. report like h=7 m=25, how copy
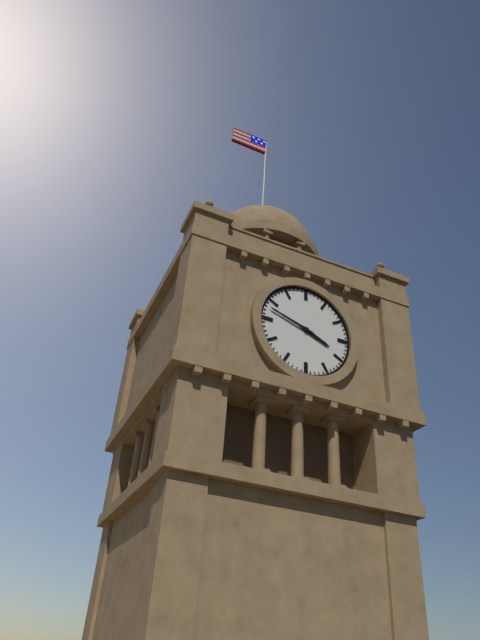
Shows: h=3 m=48
